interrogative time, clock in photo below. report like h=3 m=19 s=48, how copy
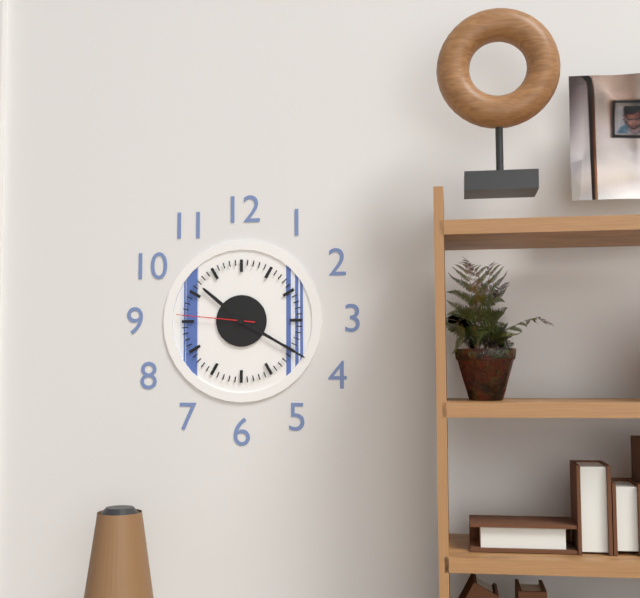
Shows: h=10 m=20 s=46
